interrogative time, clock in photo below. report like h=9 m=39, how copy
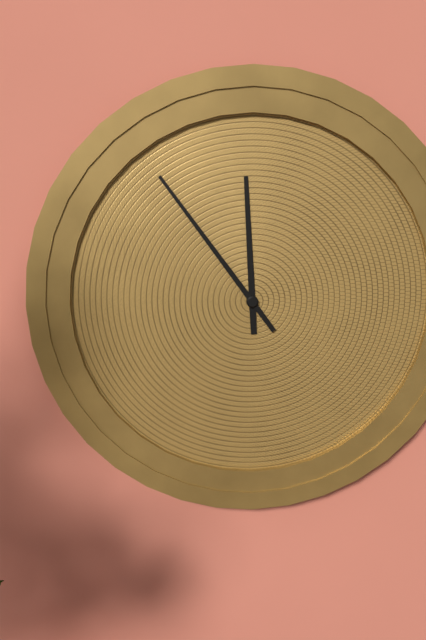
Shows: h=11 m=54
